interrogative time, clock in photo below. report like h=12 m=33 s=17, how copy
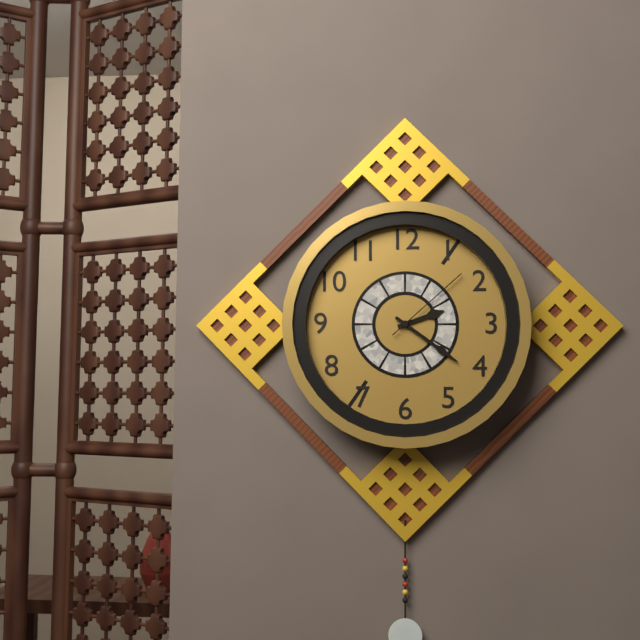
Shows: h=2 m=21 s=8
